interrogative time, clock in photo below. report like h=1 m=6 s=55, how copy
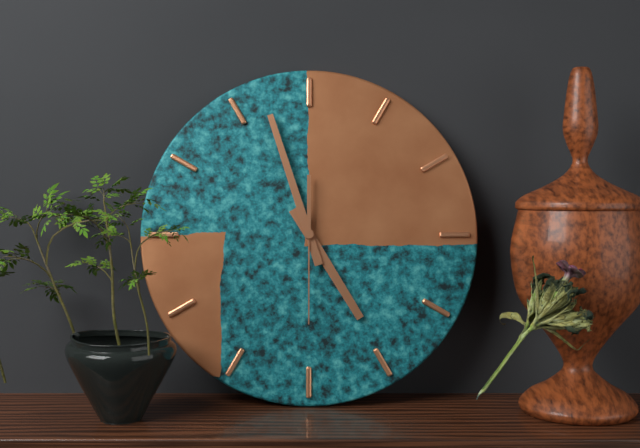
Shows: h=4 m=57 s=30
